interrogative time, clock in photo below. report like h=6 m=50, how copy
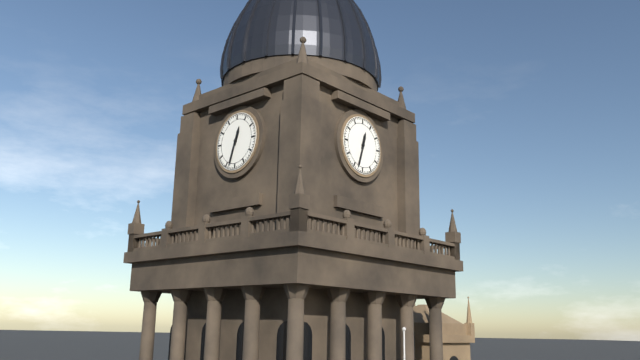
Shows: h=12 m=33
